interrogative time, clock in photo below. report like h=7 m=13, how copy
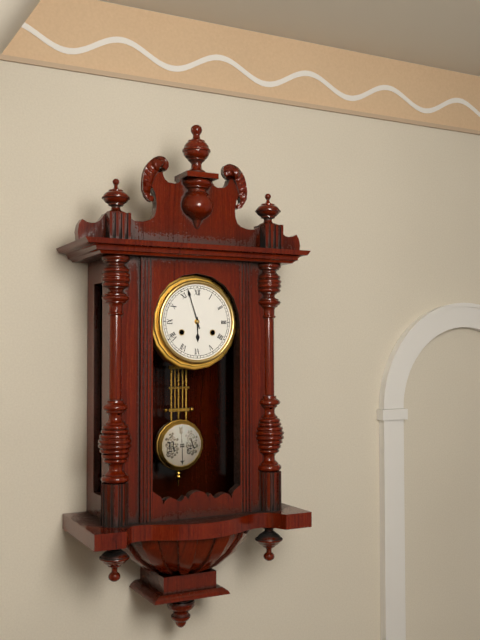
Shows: h=5 m=57
